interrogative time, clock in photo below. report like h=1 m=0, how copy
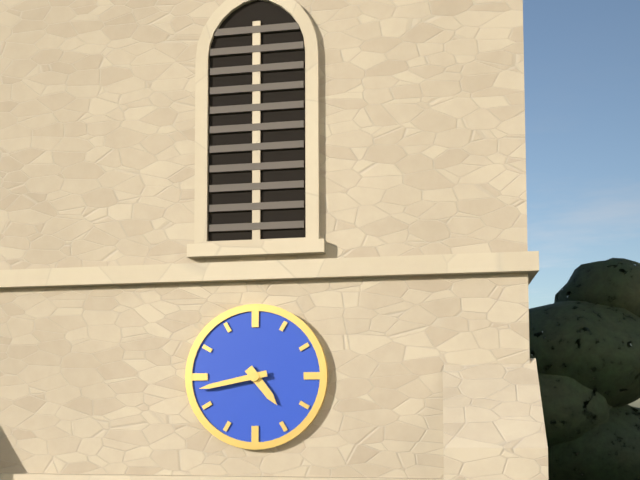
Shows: h=4 m=43
